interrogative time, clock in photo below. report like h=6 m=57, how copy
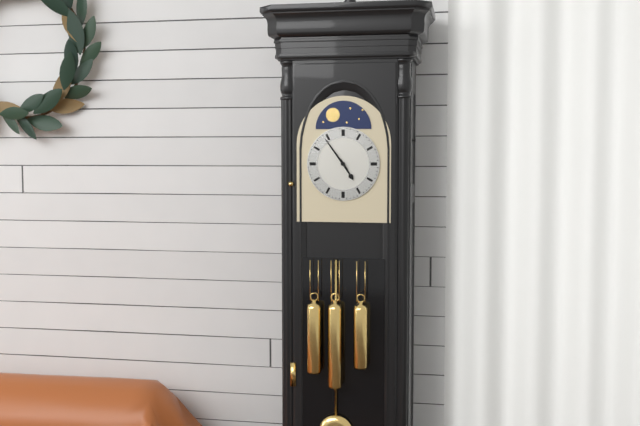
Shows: h=4 m=54
